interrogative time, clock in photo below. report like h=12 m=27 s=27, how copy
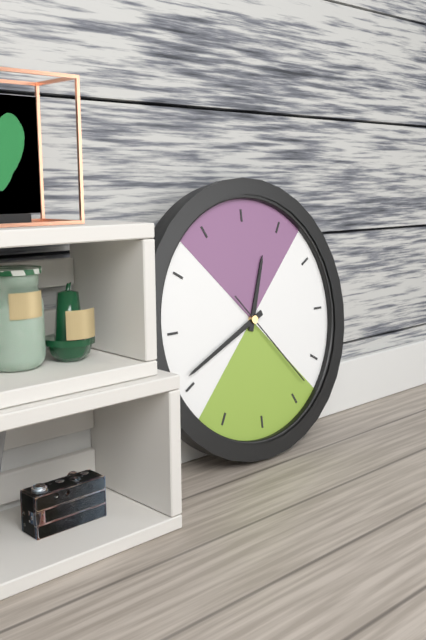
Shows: h=12 m=41 s=23
